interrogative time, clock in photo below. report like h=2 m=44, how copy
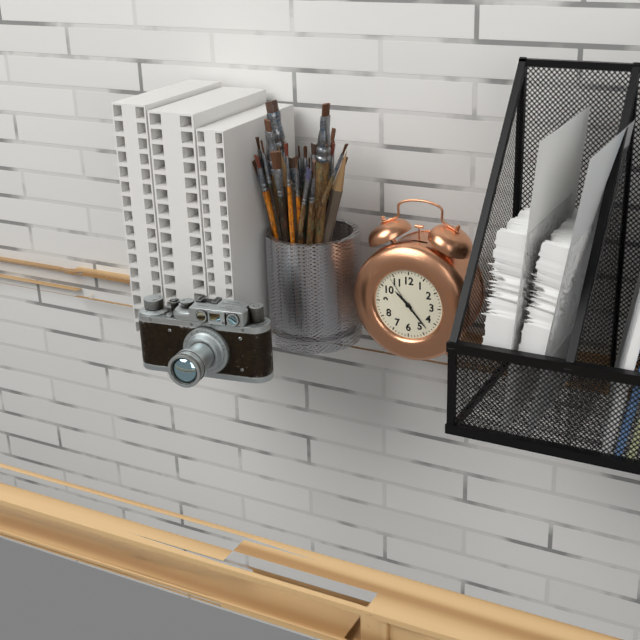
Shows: h=10 m=23
